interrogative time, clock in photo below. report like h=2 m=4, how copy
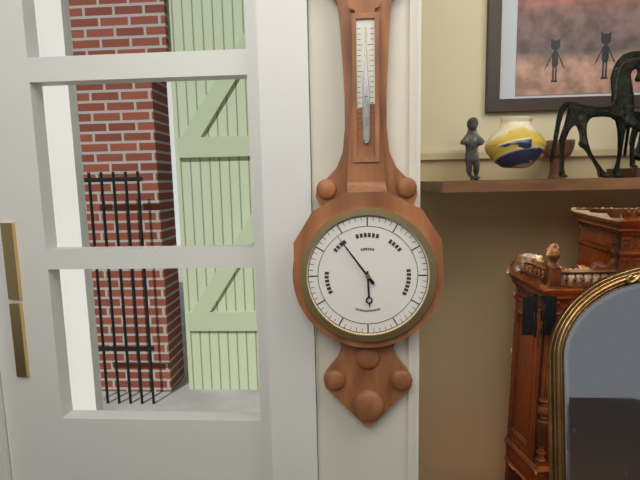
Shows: h=5 m=54
